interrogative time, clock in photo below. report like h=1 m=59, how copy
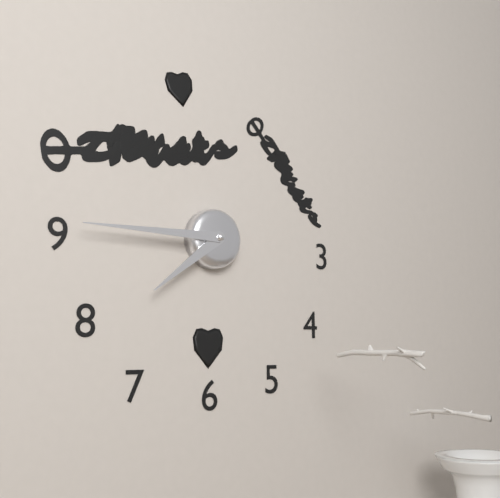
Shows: h=7 m=45
